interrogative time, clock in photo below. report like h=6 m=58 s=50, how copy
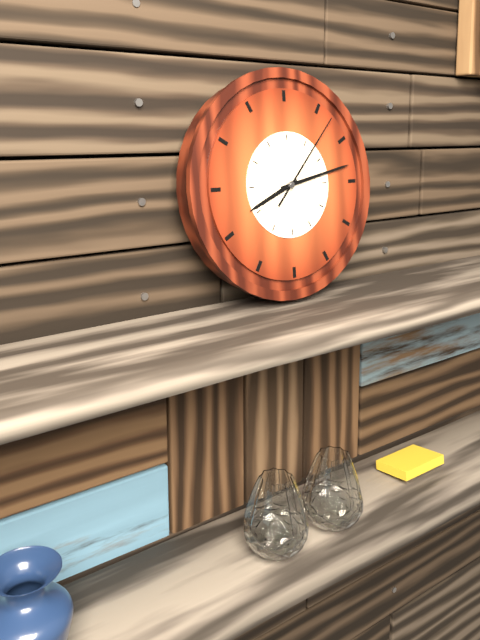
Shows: h=8 m=13 s=7
